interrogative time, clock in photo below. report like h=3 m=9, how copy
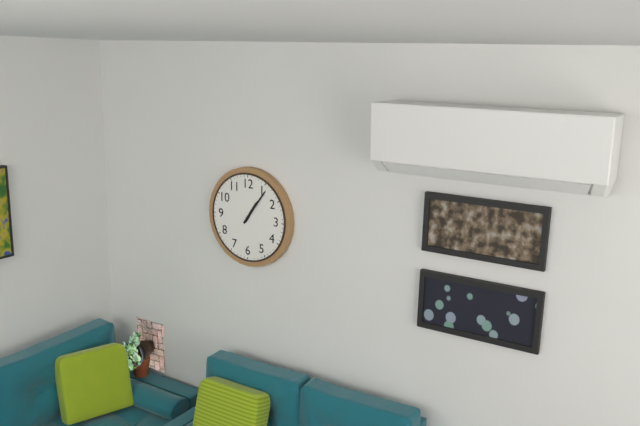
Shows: h=1 m=6
